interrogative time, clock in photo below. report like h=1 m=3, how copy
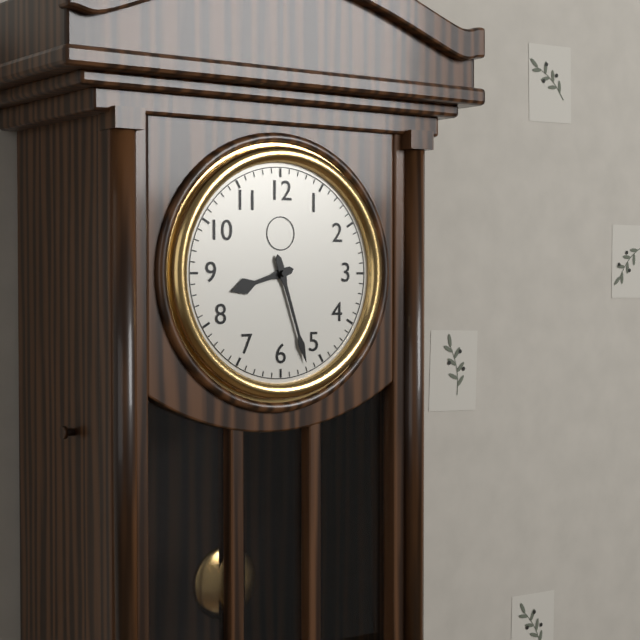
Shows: h=8 m=27
